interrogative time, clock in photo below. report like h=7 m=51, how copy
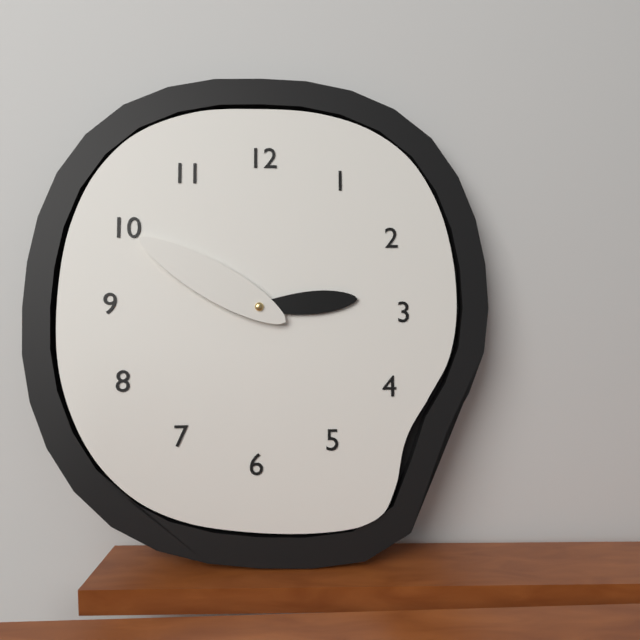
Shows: h=2 m=50
